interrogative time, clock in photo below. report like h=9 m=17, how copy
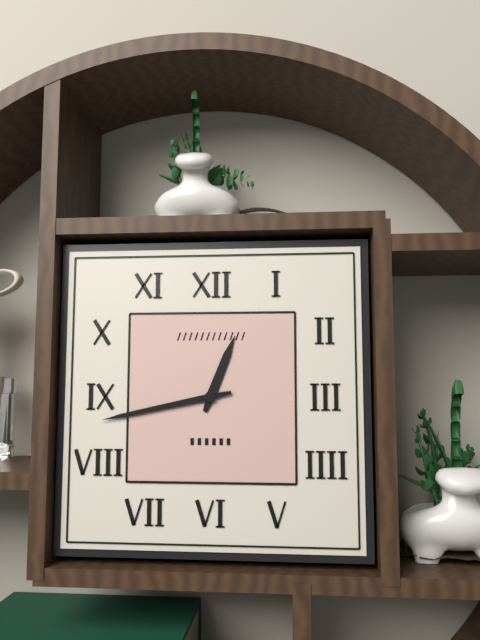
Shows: h=12 m=43
